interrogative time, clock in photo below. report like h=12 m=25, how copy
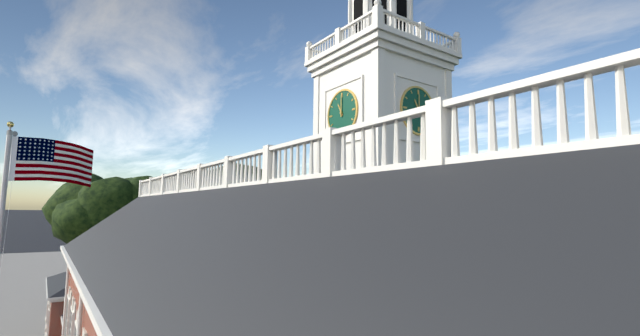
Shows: h=11 m=0
